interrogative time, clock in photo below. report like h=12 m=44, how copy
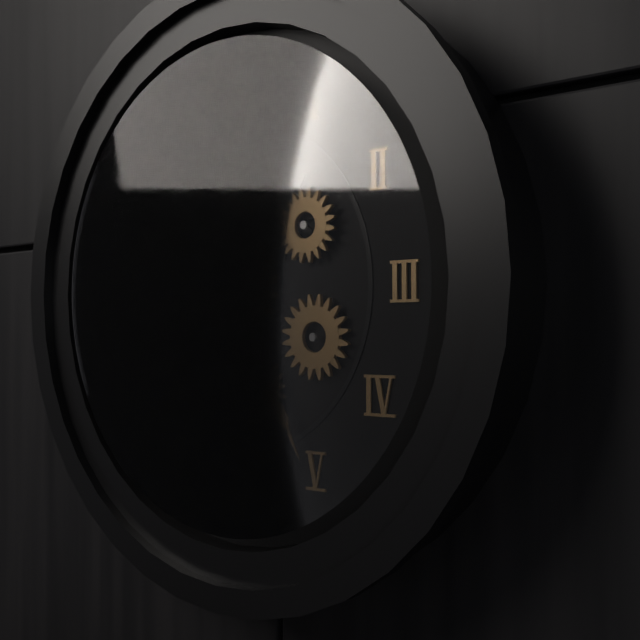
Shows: h=7 m=25
